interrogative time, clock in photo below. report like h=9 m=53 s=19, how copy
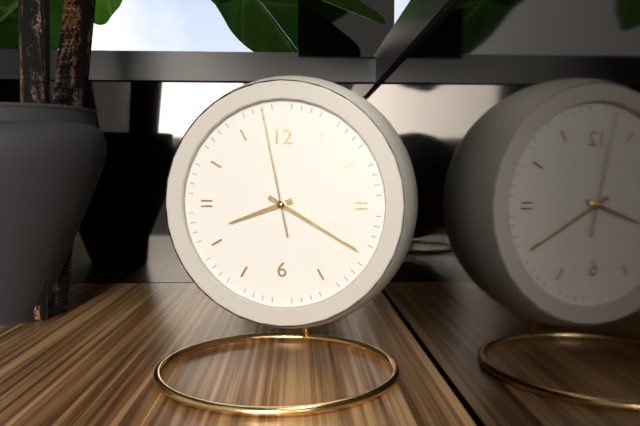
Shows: h=8 m=20 s=58
